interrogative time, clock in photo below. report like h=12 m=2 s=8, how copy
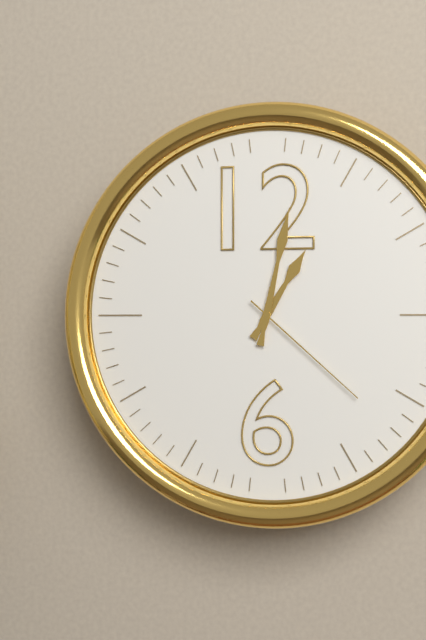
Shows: h=1 m=2 s=22
